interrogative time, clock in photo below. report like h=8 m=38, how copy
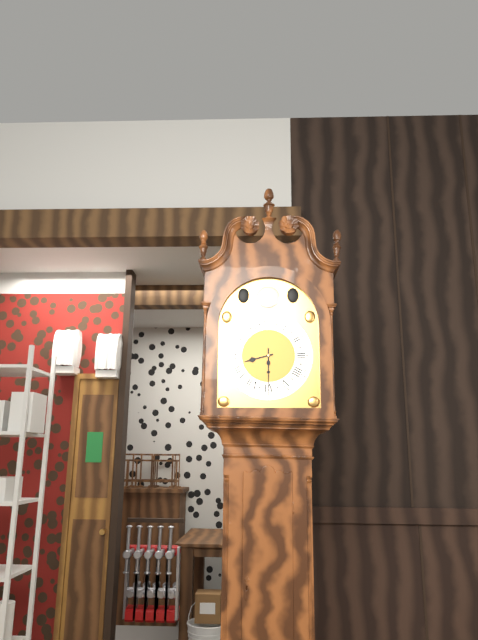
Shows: h=8 m=30
